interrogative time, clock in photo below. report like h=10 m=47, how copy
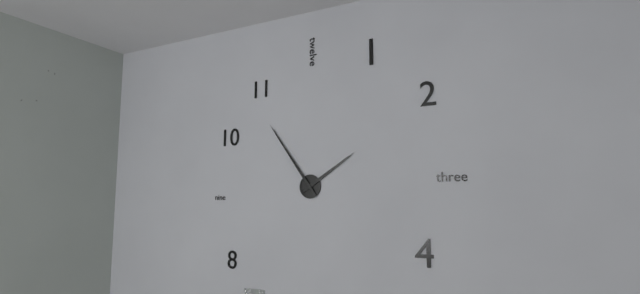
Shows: h=1 m=54
